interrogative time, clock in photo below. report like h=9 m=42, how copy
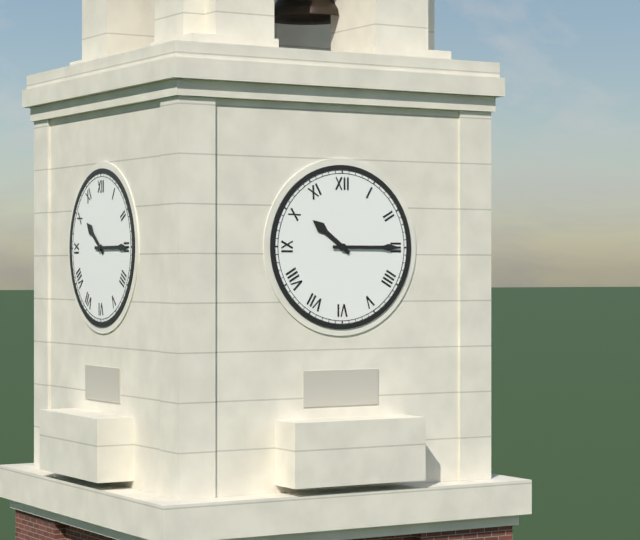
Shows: h=10 m=15
